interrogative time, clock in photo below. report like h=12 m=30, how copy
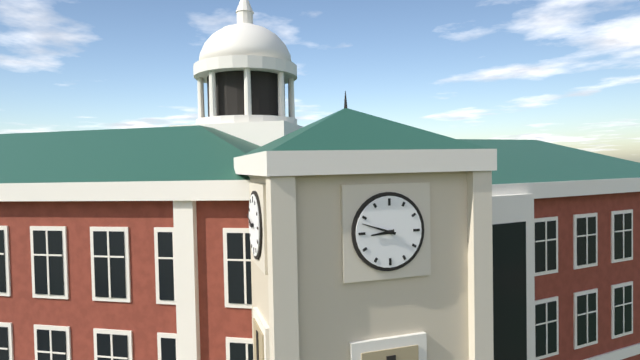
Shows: h=8 m=48
